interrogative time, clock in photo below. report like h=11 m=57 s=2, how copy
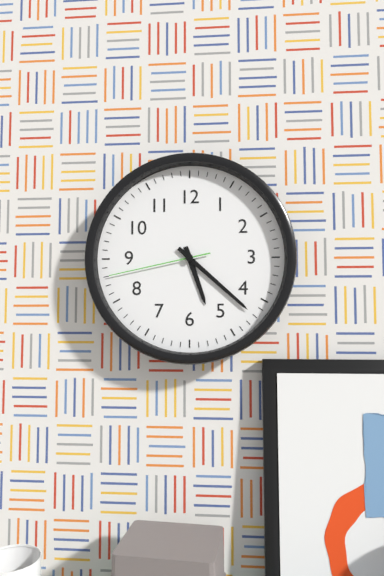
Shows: h=5 m=22 s=43
